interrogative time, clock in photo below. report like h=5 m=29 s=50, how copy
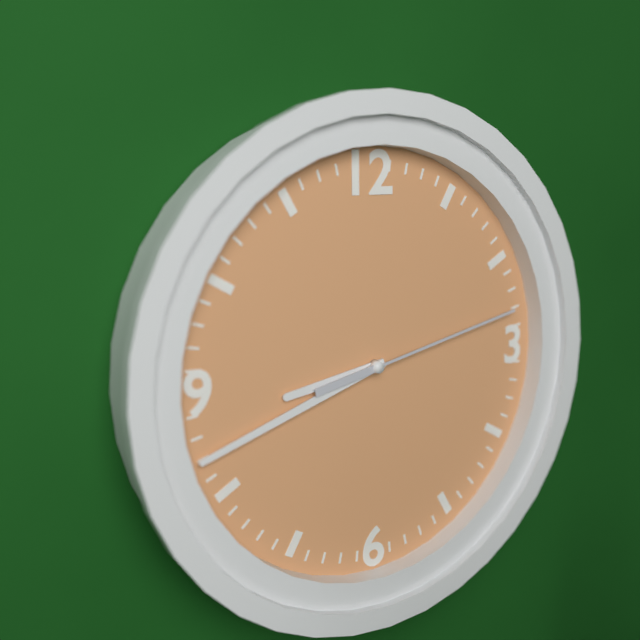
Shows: h=8 m=42 s=13
